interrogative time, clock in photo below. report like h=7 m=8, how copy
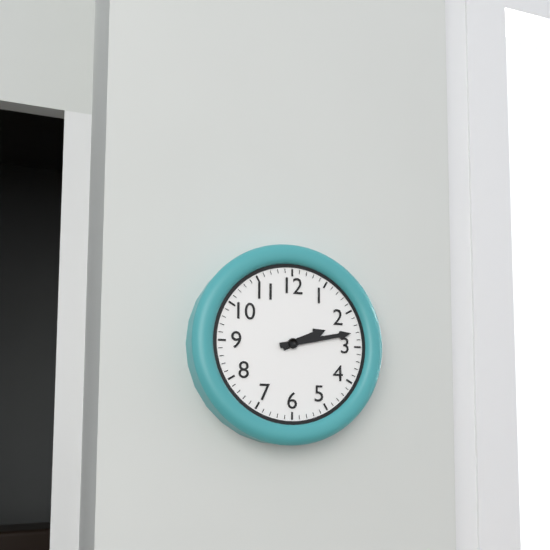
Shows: h=2 m=13
